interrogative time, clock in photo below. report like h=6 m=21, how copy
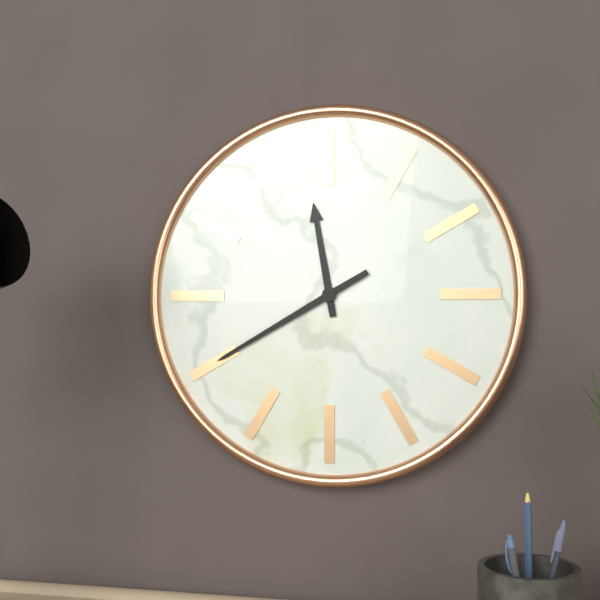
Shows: h=11 m=40
